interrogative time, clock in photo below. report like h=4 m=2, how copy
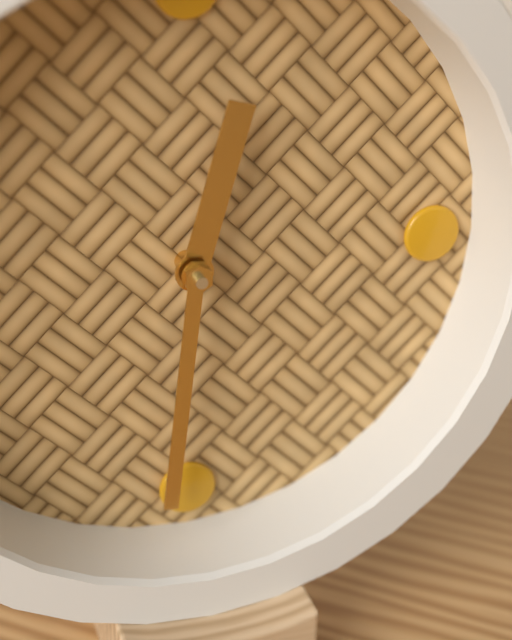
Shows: h=12 m=31
